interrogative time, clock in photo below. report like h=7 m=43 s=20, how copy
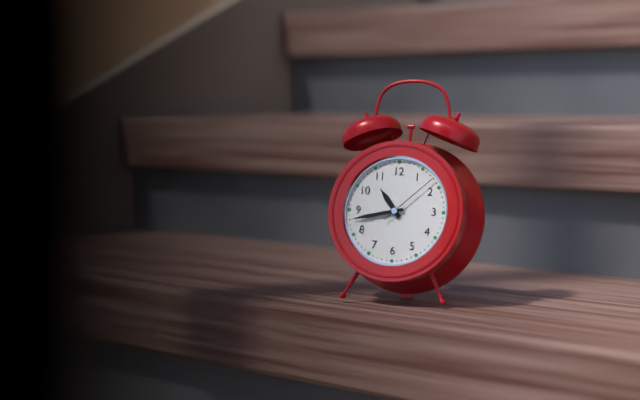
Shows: h=10 m=43 s=8
